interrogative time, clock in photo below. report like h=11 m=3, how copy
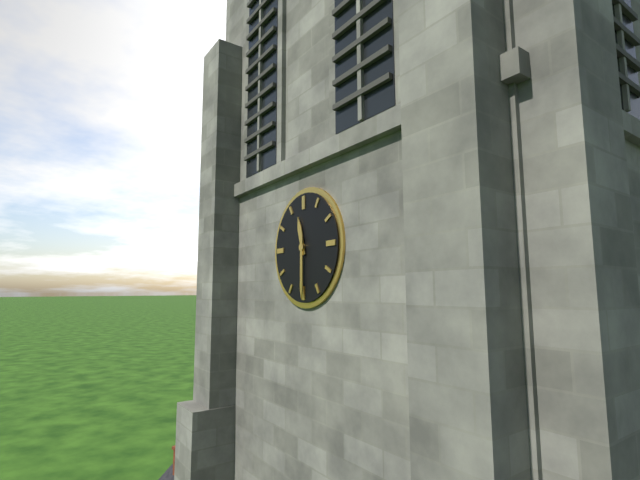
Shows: h=11 m=30
